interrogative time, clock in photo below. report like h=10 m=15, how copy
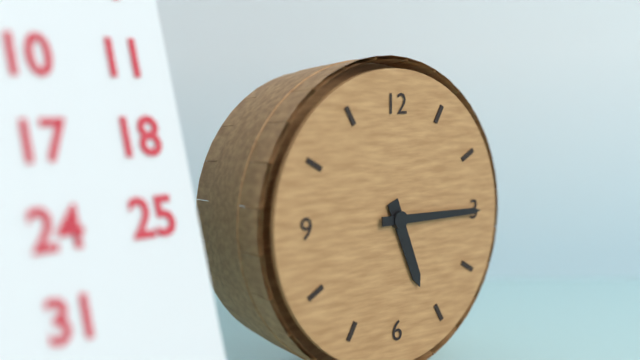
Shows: h=5 m=15
